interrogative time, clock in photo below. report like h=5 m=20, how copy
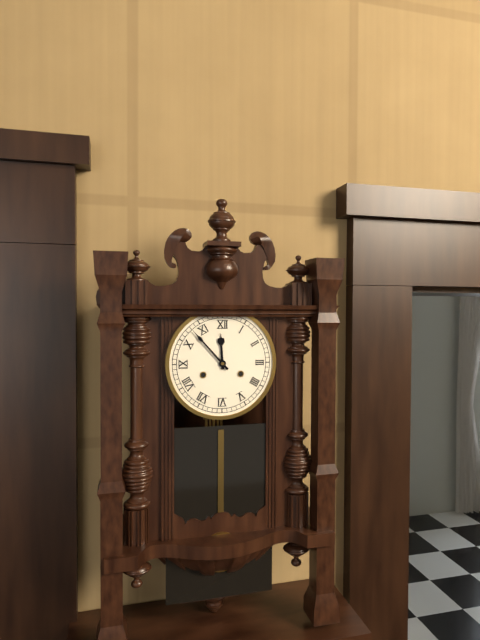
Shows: h=11 m=53
